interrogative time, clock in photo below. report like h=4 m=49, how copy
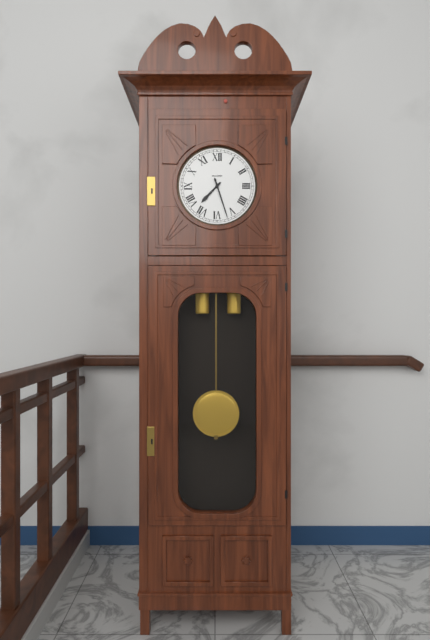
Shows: h=7 m=27
